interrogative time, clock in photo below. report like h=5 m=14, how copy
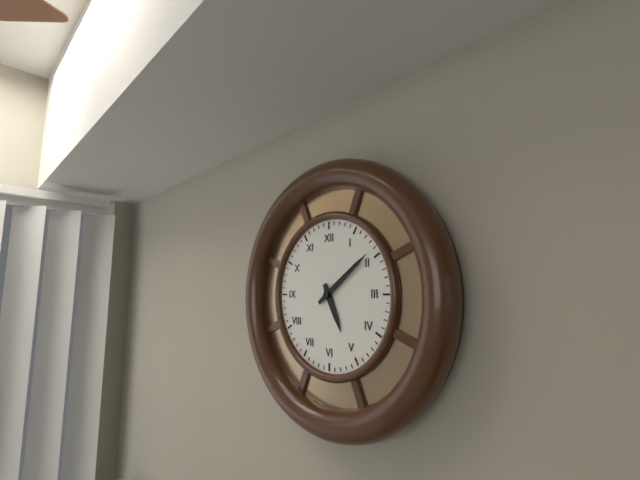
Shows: h=5 m=9
